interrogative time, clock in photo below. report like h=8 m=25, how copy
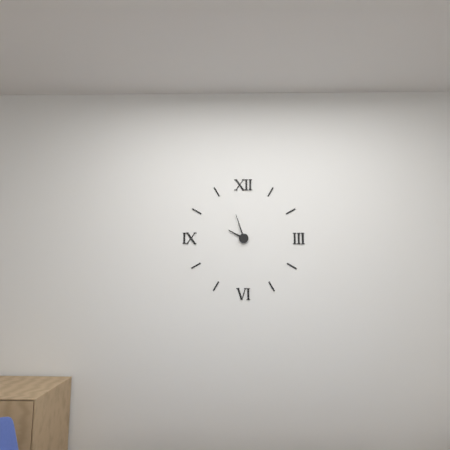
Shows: h=9 m=57
